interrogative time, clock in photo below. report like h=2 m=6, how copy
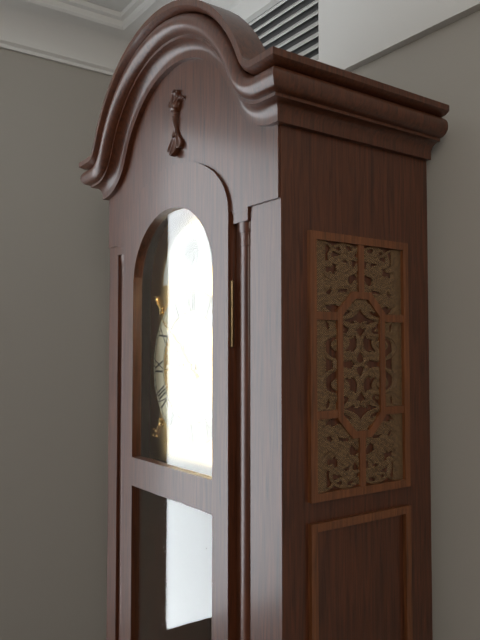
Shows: h=8 m=52
